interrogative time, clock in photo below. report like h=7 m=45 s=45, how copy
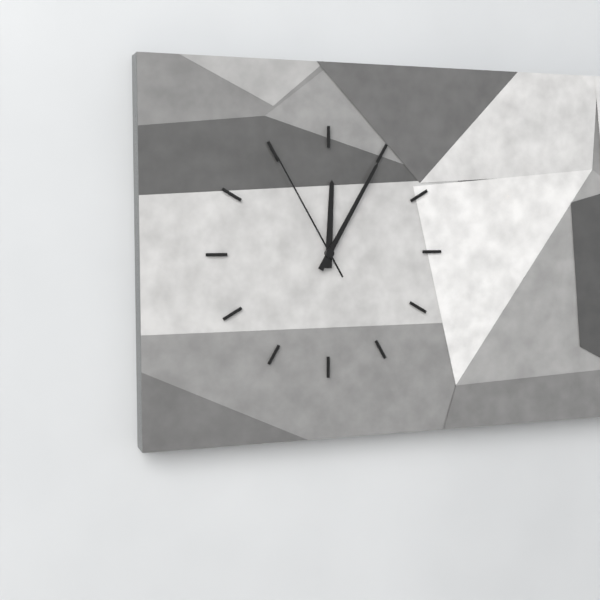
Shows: h=12 m=5 s=55
